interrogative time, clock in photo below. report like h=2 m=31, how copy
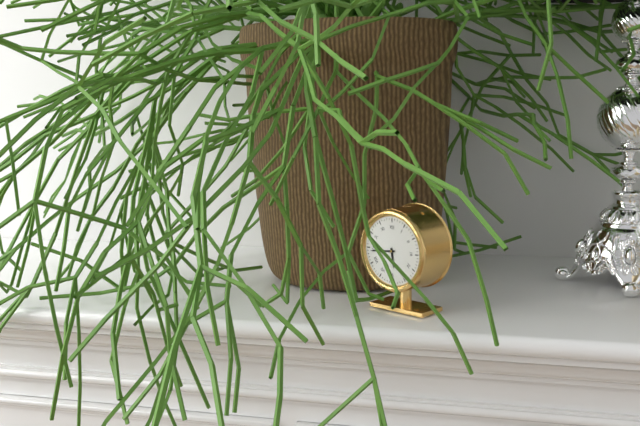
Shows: h=5 m=44
